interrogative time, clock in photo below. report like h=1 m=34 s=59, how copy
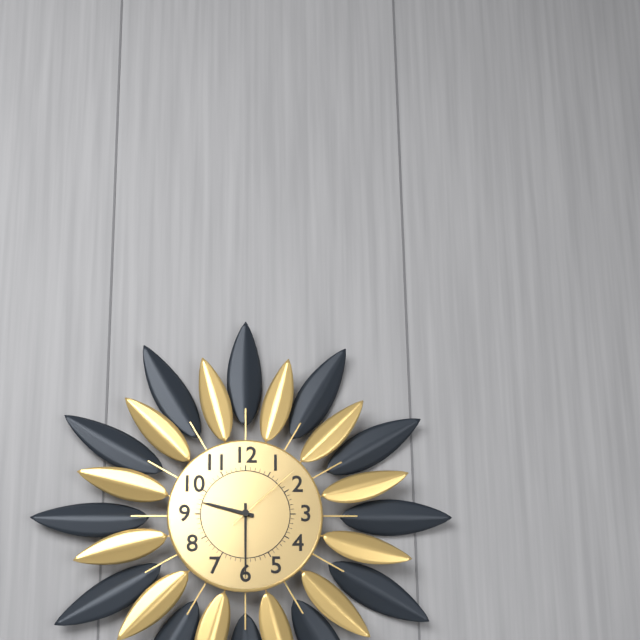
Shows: h=9 m=30 s=8
